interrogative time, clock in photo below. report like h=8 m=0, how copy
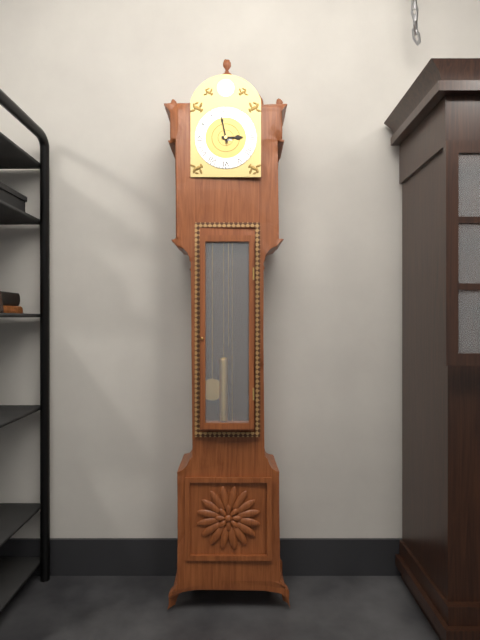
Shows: h=2 m=58
